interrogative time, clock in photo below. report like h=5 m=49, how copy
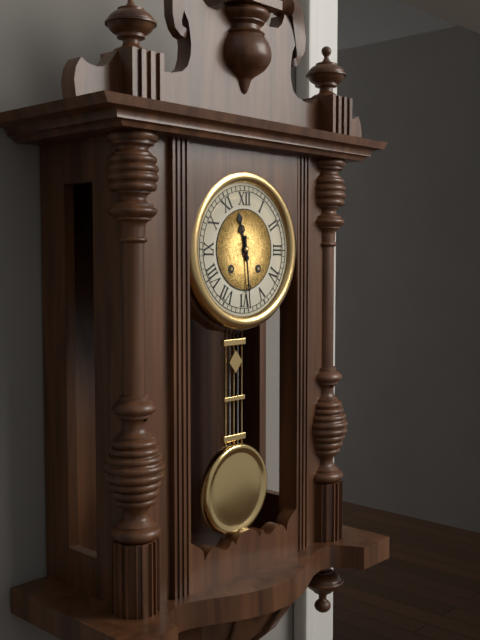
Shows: h=11 m=29
